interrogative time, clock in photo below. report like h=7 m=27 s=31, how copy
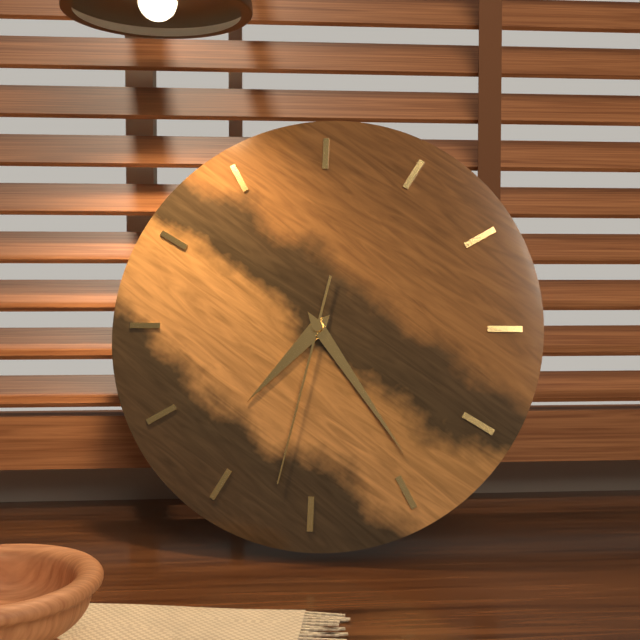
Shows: h=7 m=24 s=32
